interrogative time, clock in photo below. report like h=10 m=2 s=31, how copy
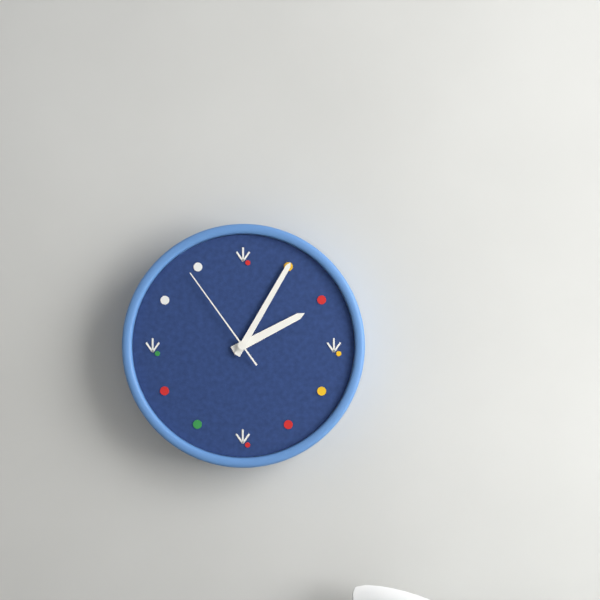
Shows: h=2 m=5 s=54
